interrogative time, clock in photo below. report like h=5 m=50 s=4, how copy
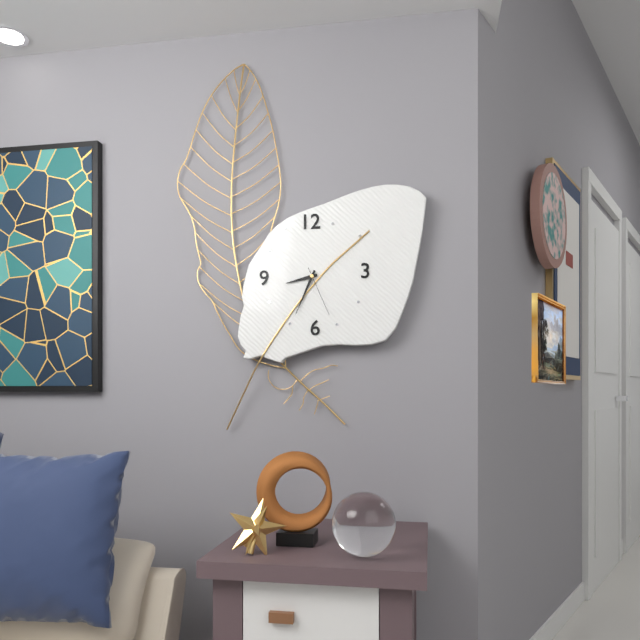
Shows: h=8 m=34 s=26
